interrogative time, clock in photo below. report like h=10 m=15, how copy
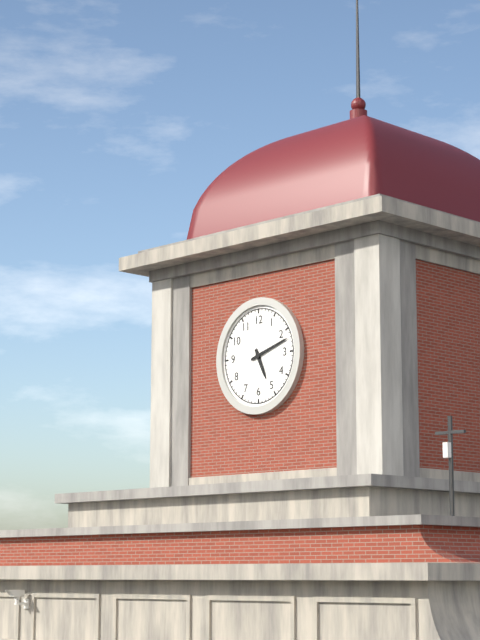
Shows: h=5 m=12
